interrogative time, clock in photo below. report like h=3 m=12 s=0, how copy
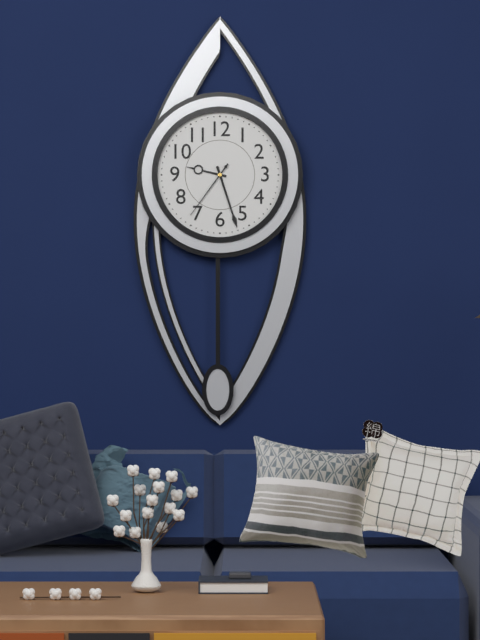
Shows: h=9 m=27 s=36
